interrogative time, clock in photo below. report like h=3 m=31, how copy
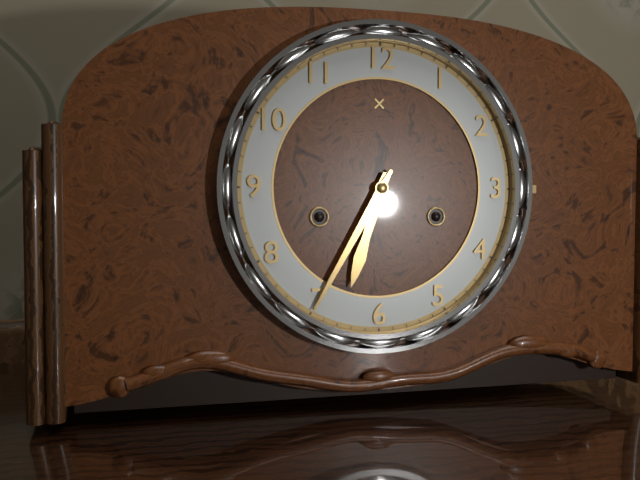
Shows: h=6 m=35
